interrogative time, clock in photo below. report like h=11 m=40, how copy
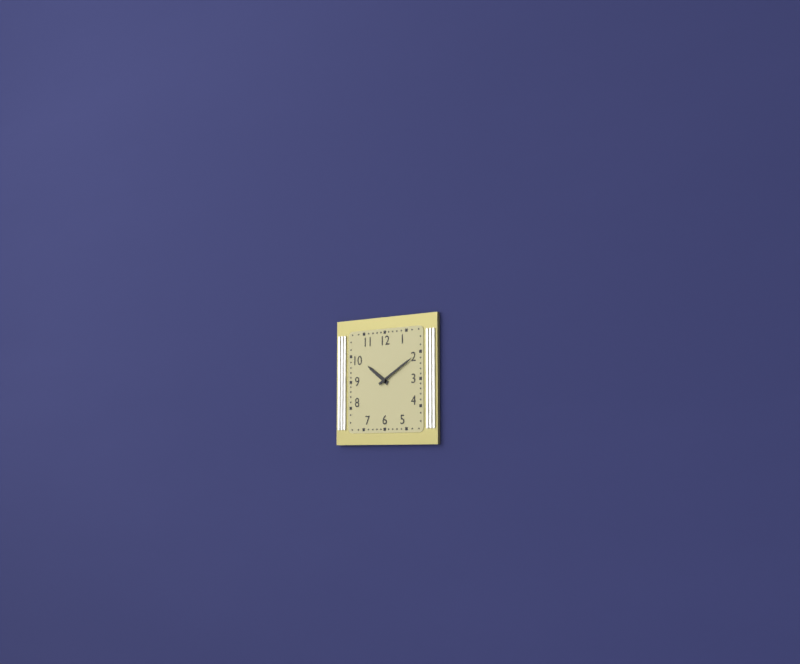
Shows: h=10 m=10
